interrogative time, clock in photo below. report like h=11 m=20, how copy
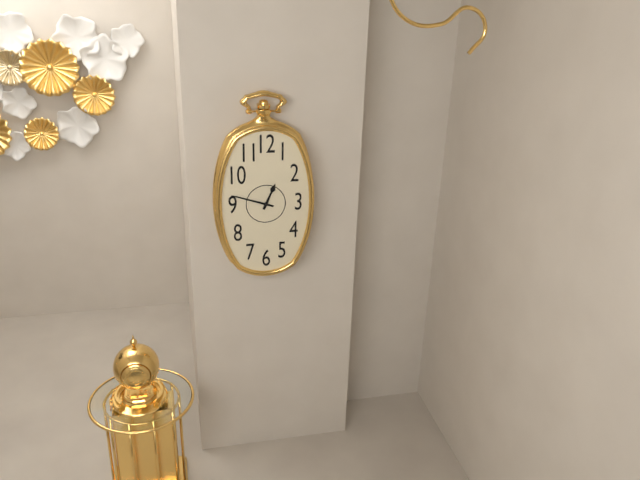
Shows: h=12 m=48
